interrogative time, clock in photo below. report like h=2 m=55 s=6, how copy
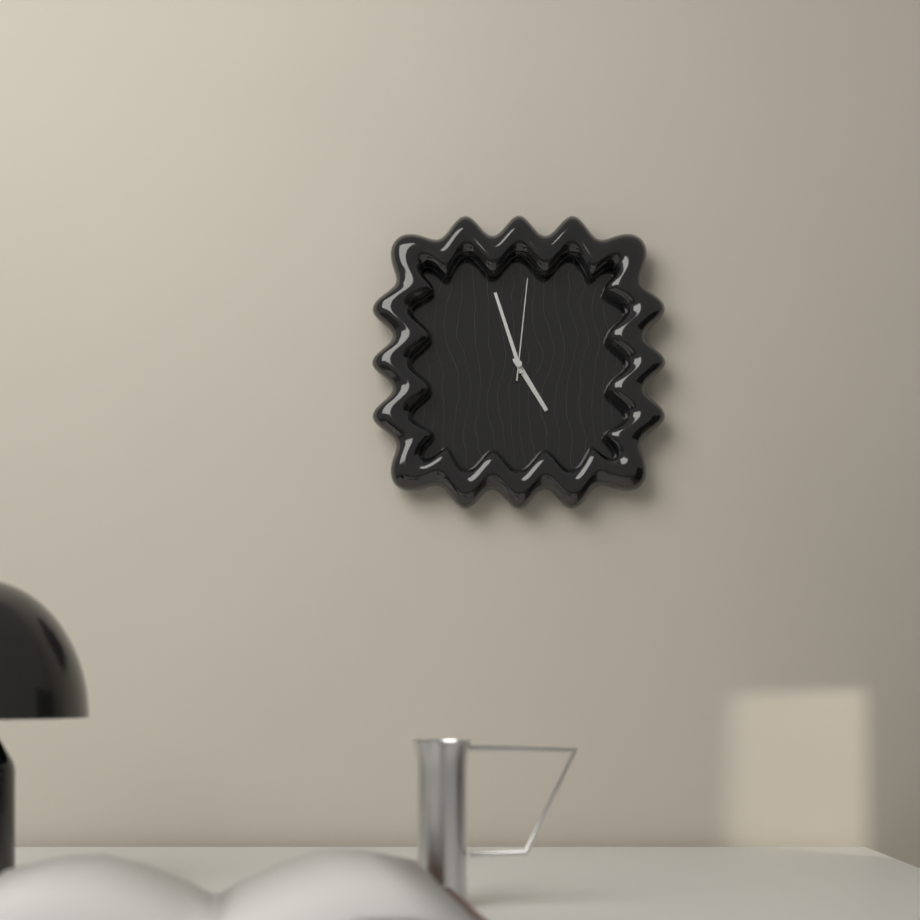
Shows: h=4 m=57 s=1
